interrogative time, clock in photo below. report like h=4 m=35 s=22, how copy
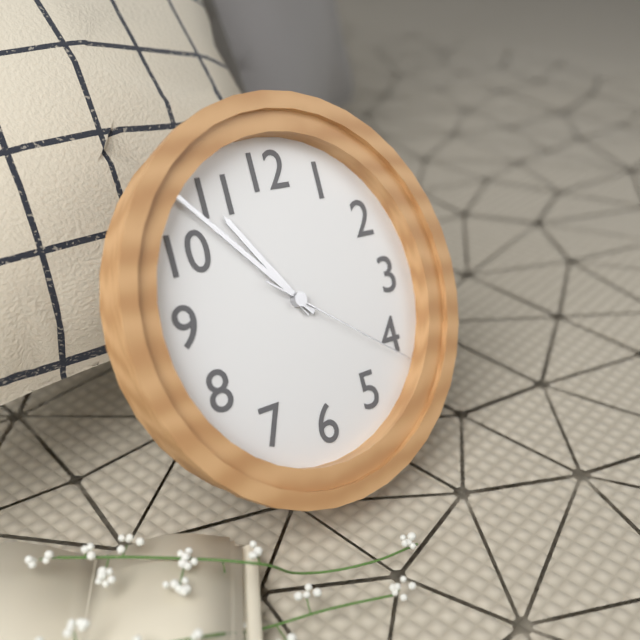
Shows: h=10 m=53 s=21
